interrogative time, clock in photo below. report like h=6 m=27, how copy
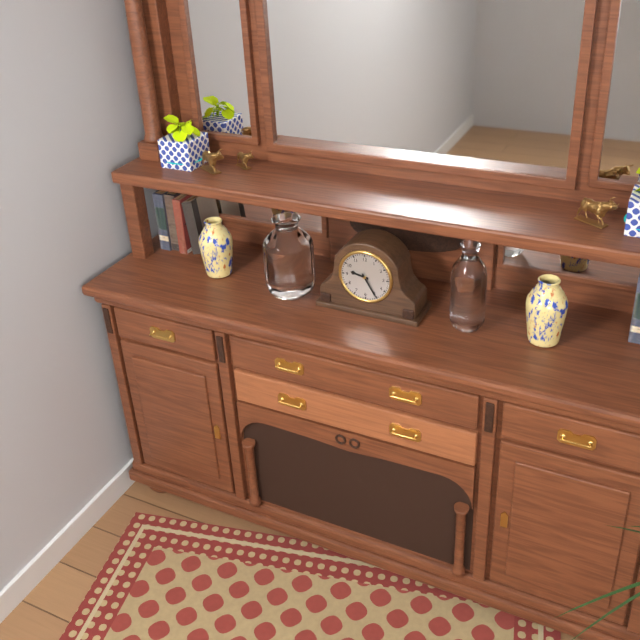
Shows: h=9 m=25
